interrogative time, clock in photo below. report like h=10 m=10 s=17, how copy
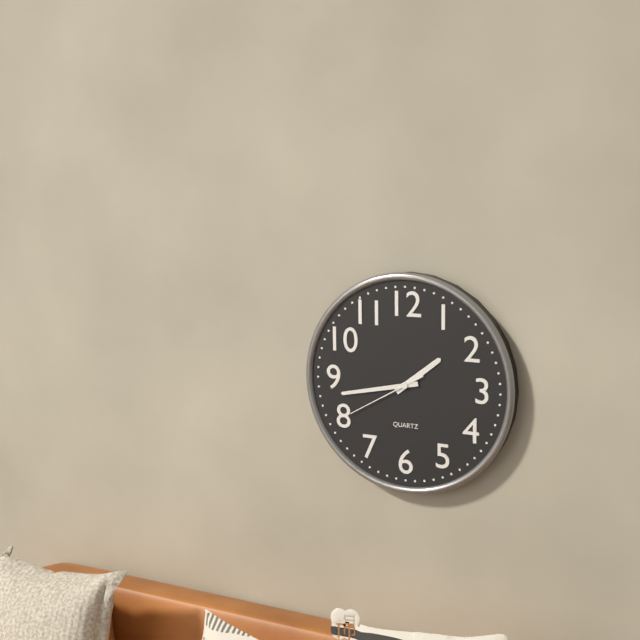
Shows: h=1 m=43 s=40
